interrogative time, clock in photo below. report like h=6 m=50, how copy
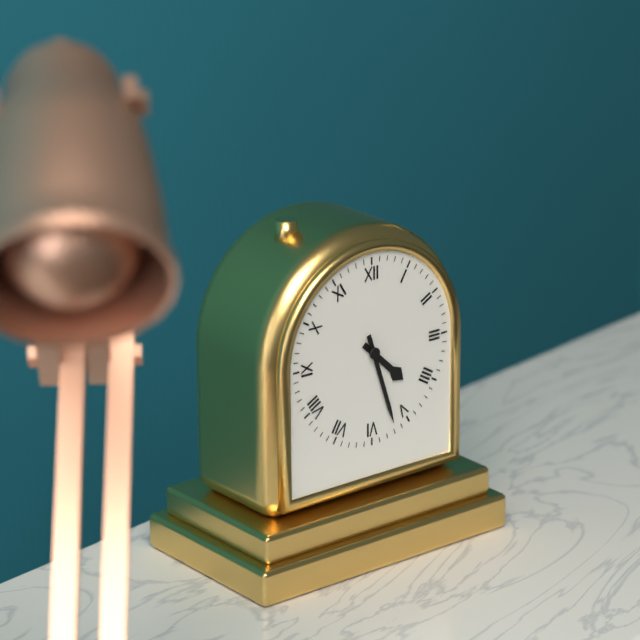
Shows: h=4 m=27
